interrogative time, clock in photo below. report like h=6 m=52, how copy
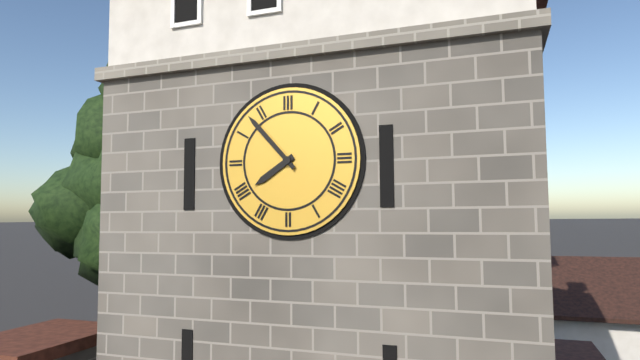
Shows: h=7 m=53
